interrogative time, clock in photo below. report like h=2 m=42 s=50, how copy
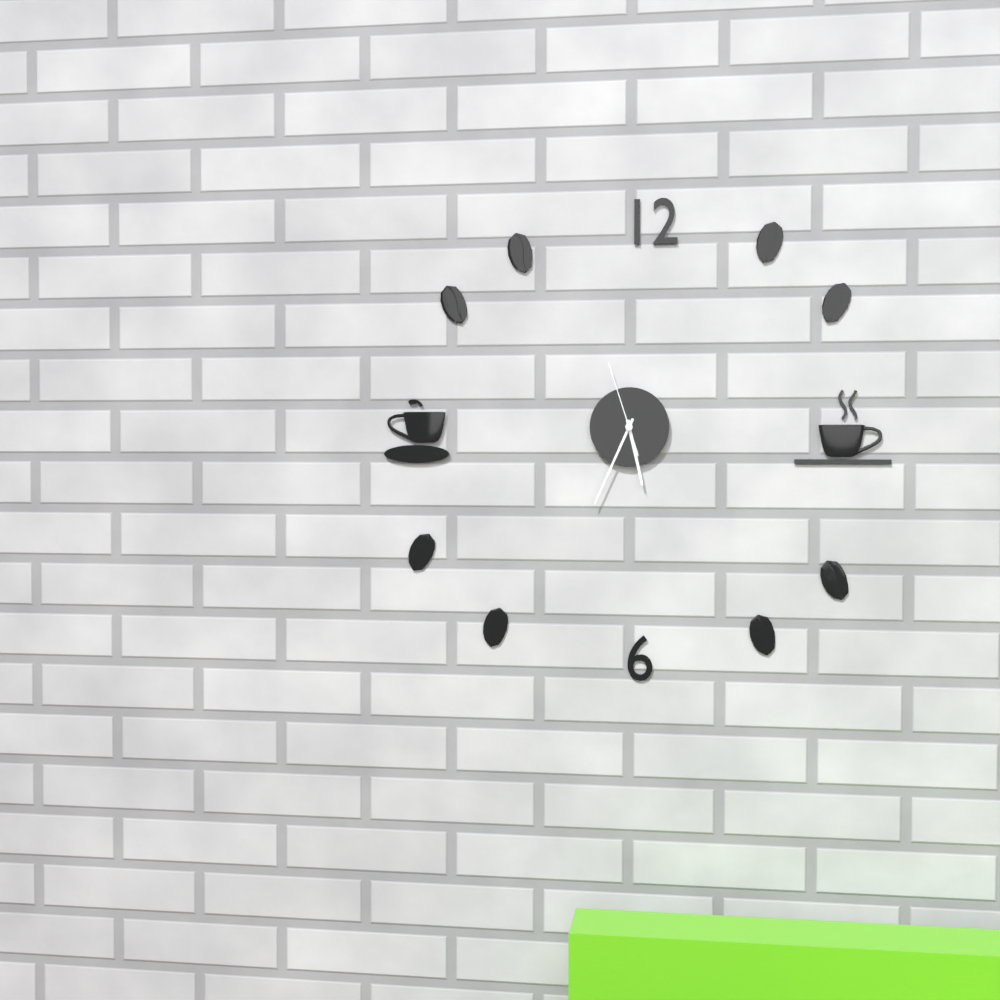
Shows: h=5 m=34 s=57
